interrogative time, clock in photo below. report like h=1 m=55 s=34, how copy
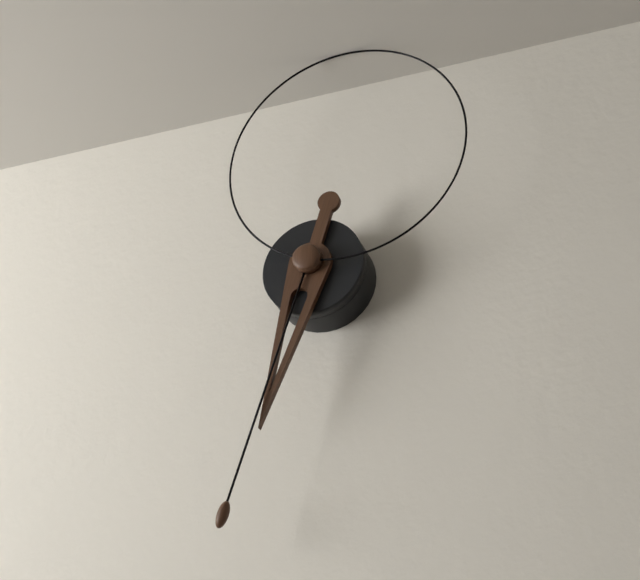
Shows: h=6 m=33 s=3
